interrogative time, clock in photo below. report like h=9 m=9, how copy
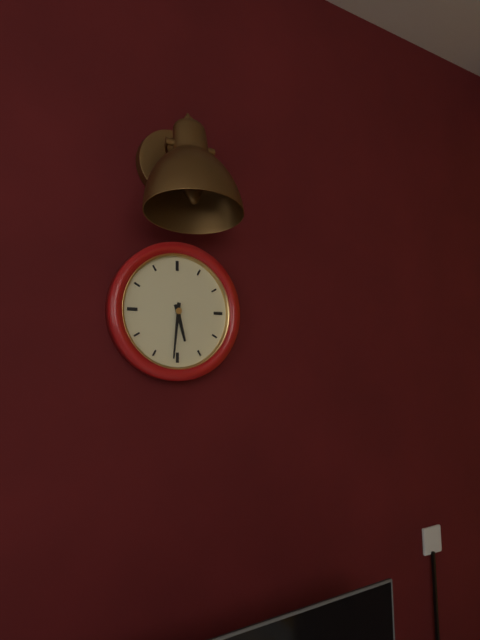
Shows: h=5 m=31
